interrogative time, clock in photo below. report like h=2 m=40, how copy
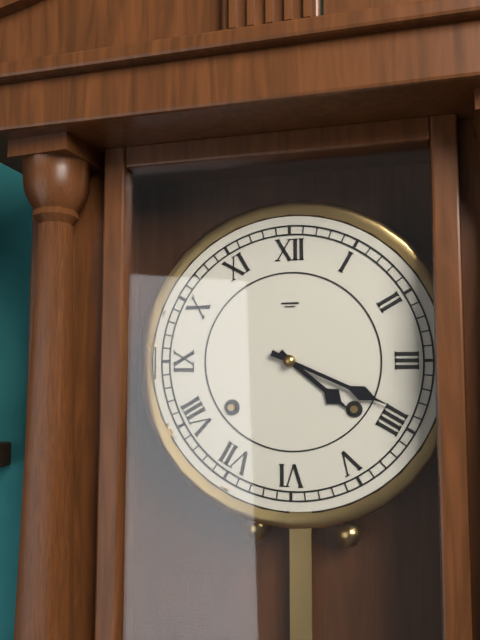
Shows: h=4 m=19
